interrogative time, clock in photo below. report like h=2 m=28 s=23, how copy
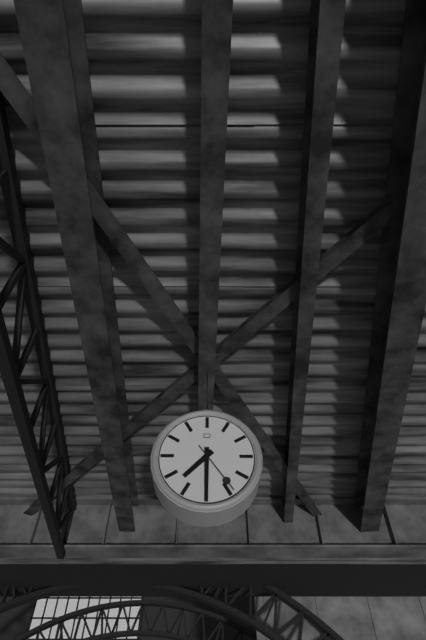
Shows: h=7 m=30 s=24
